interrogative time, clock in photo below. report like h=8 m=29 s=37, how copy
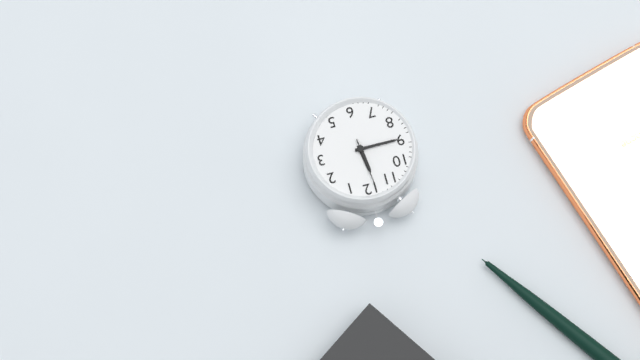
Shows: h=11 m=45 s=59
